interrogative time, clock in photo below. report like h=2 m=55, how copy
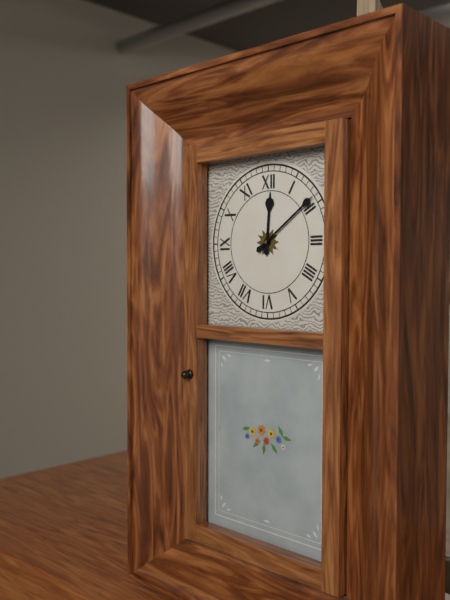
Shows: h=12 m=9
